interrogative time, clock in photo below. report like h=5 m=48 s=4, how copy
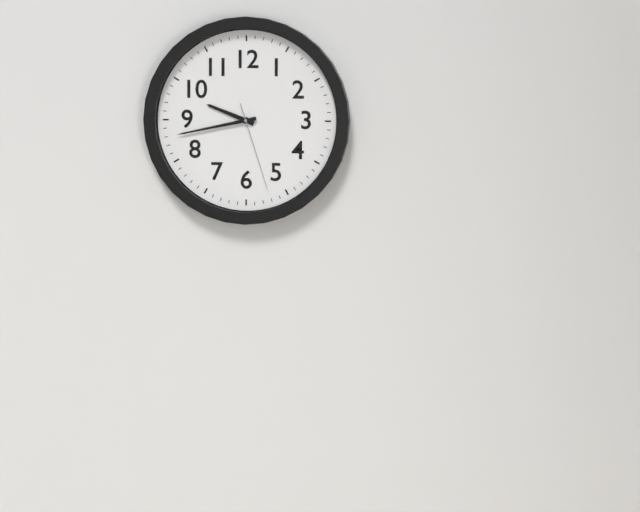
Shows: h=9 m=43 s=27
